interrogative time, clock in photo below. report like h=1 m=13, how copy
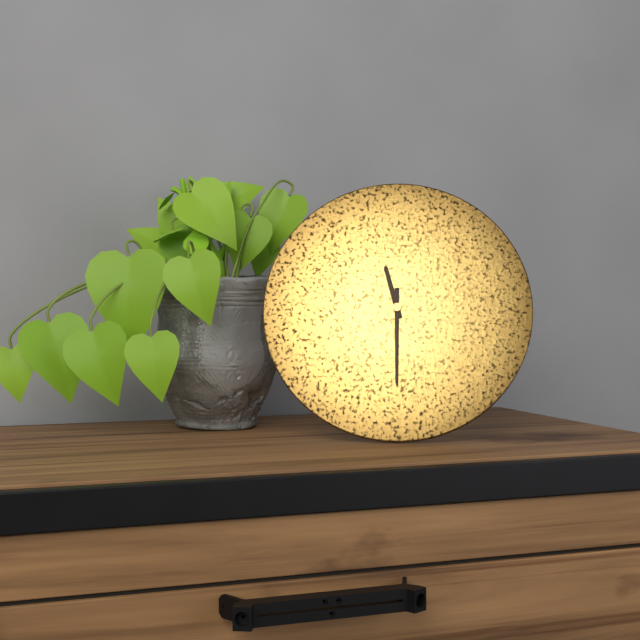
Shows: h=11 m=30
